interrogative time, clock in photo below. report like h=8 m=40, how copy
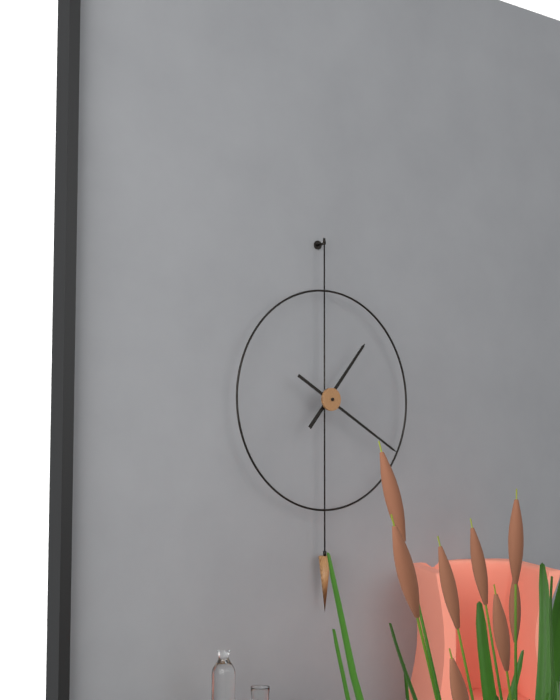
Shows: h=1 m=20
